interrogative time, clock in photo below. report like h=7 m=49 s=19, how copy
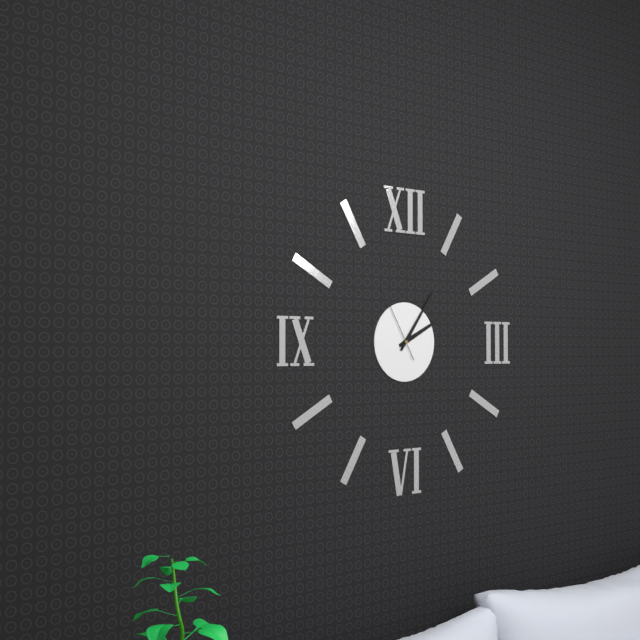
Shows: h=2 m=6 s=55
